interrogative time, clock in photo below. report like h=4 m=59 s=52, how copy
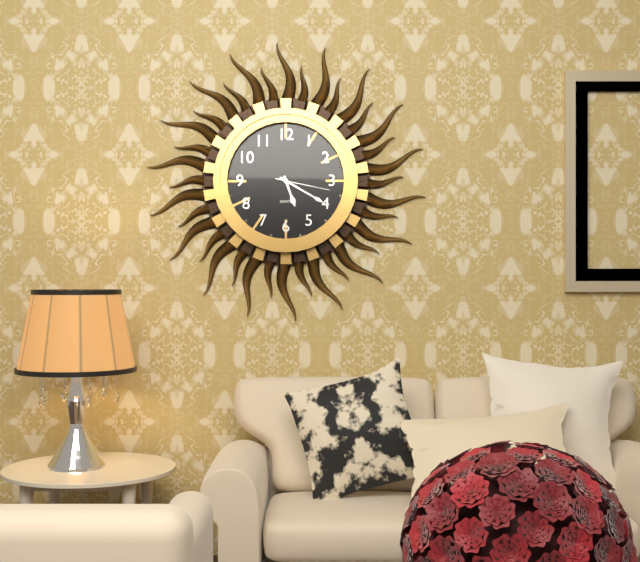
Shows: h=5 m=20 s=17
